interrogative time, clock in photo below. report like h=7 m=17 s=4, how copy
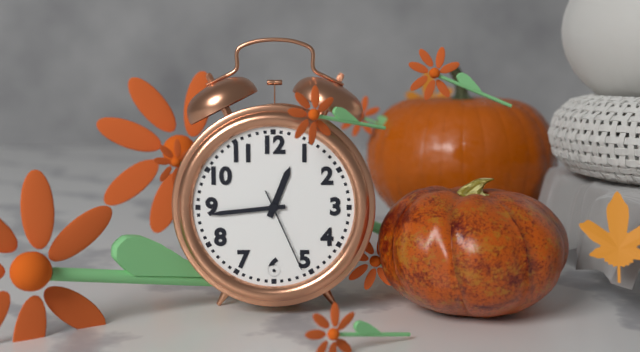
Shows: h=12 m=44 s=26
